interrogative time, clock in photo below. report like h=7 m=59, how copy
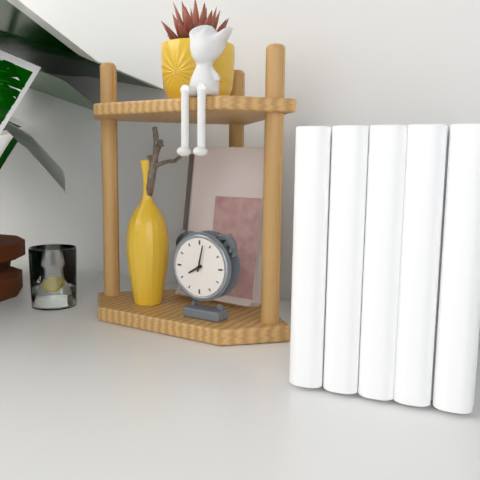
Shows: h=8 m=2
